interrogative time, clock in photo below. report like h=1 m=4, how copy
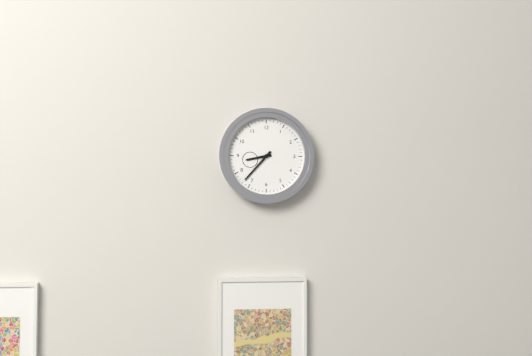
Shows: h=8 m=37
